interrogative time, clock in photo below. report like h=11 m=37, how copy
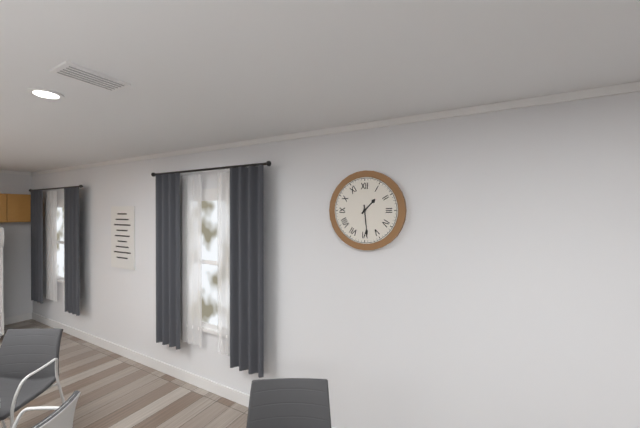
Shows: h=1 m=29
